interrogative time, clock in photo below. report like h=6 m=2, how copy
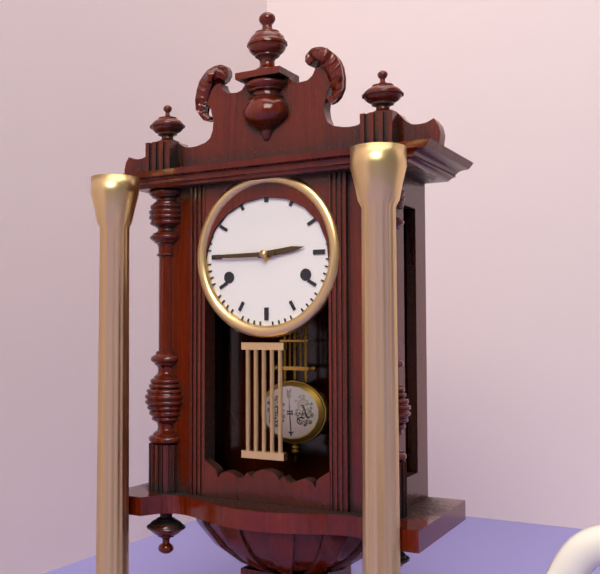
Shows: h=2 m=45
